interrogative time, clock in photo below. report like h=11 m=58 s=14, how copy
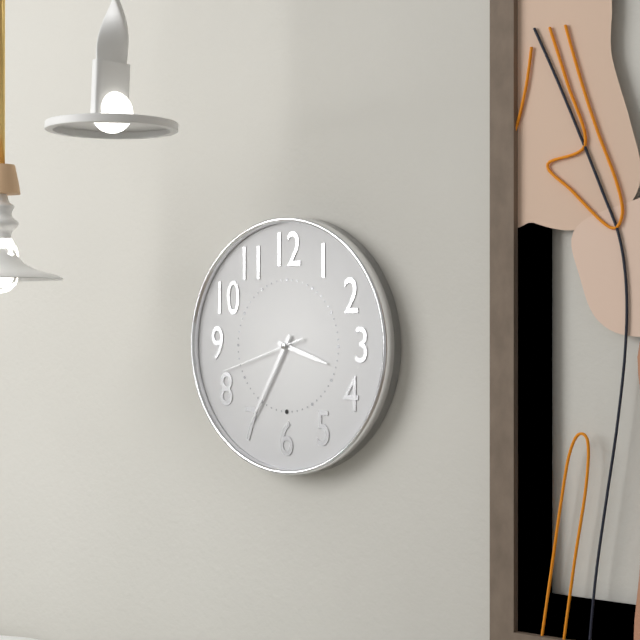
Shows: h=3 m=35 s=42
